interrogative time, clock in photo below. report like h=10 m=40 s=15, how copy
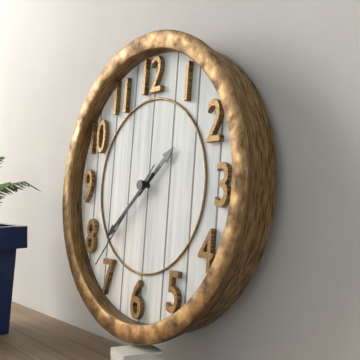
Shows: h=1 m=38 s=37
